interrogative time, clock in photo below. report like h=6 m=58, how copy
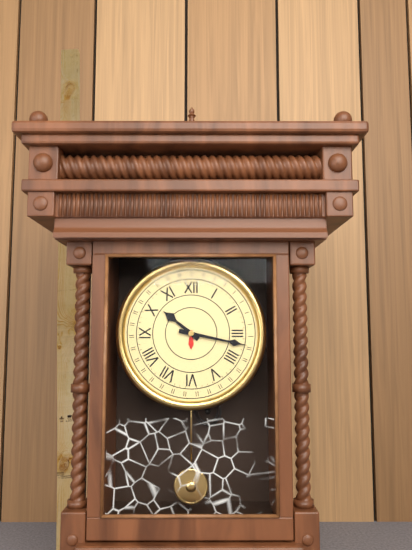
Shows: h=10 m=17
